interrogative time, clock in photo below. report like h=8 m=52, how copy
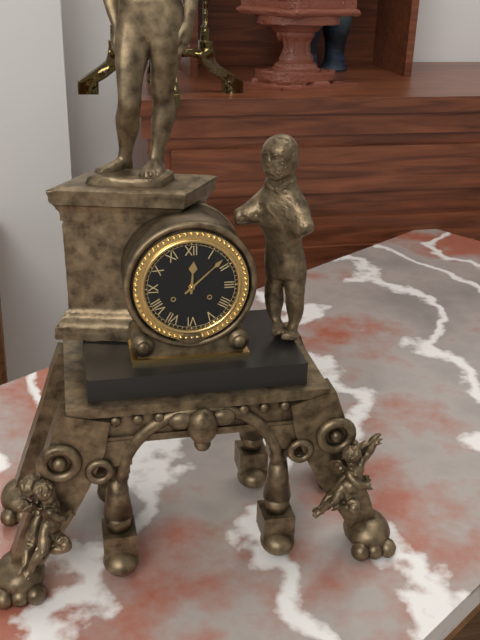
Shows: h=12 m=8
